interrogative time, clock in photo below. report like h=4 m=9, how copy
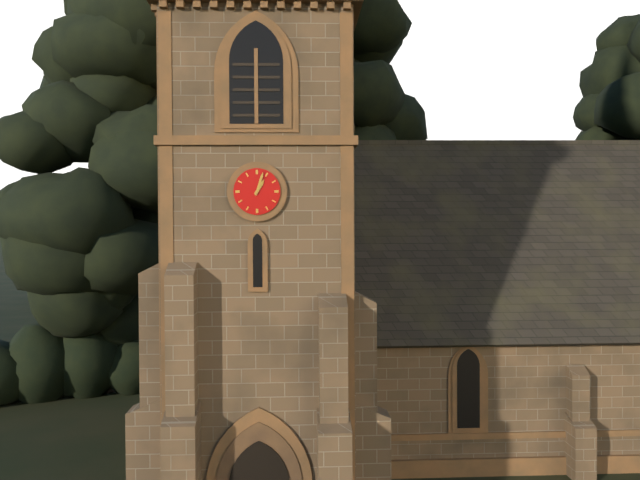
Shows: h=1 m=3
